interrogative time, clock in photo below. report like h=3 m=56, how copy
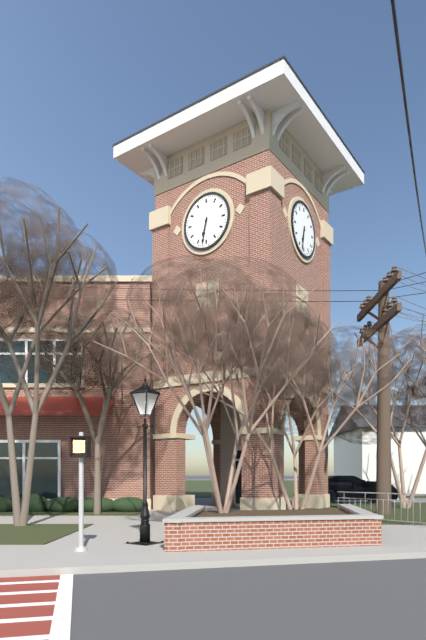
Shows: h=6 m=32
